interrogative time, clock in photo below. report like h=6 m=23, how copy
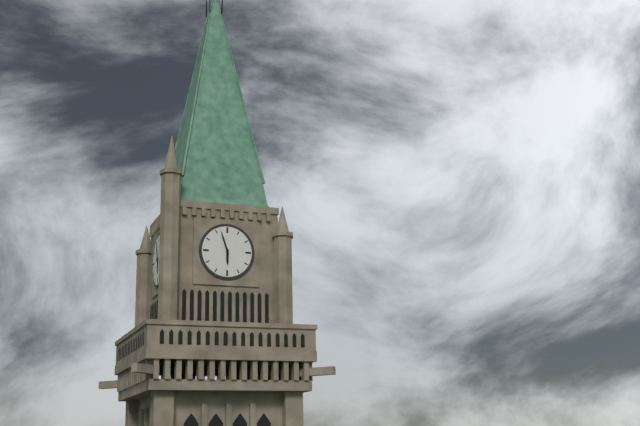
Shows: h=5 m=57
